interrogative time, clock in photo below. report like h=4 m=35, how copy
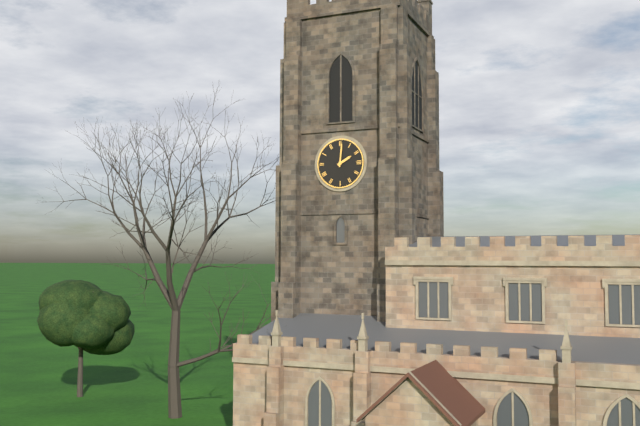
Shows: h=2 m=1
